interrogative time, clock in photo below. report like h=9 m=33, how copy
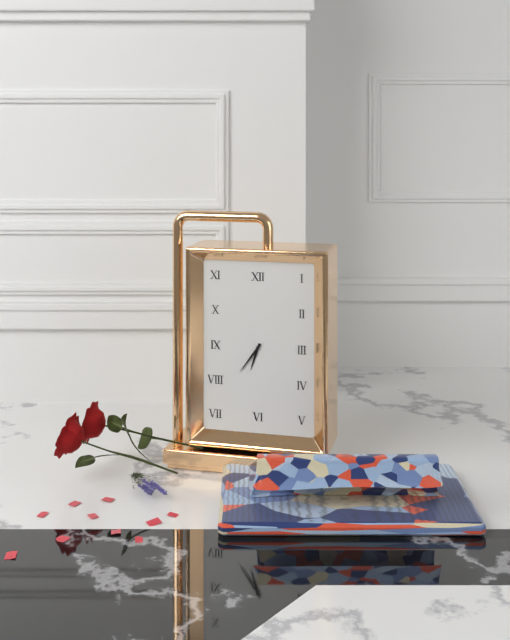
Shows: h=6 m=36
